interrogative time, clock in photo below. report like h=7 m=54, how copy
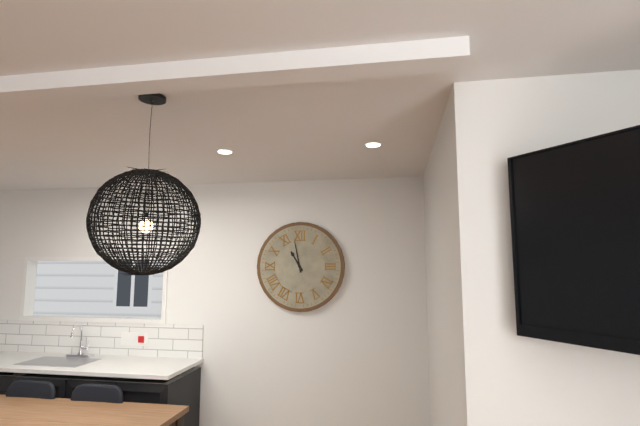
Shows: h=10 m=58
